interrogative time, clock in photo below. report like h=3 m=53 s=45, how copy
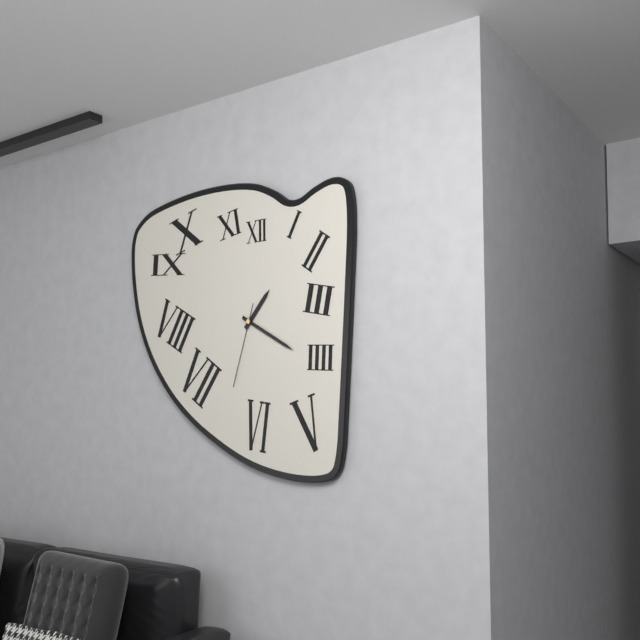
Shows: h=1 m=20 s=33
